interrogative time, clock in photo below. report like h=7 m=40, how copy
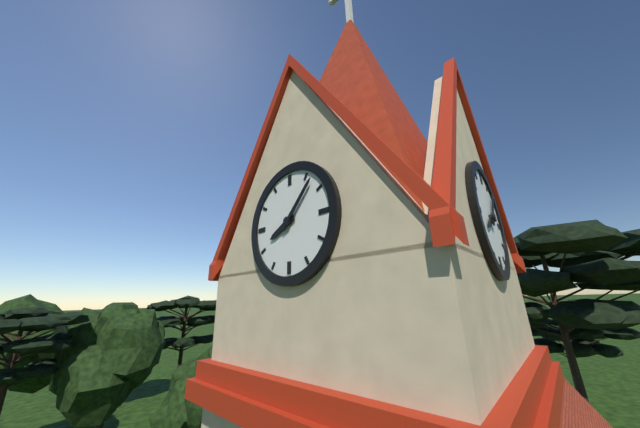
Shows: h=8 m=7
